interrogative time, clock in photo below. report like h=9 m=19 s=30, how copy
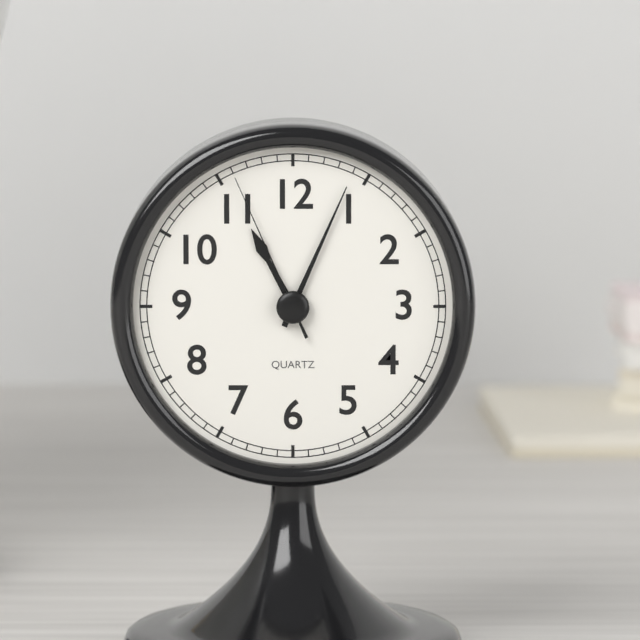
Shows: h=11 m=4 s=56
